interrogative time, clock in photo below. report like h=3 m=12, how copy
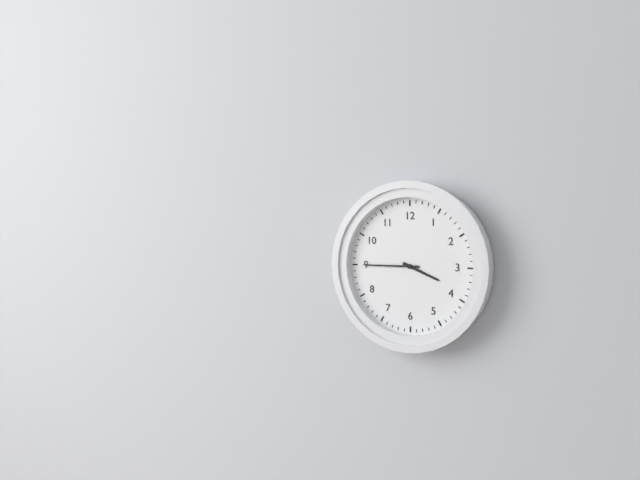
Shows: h=3 m=45
